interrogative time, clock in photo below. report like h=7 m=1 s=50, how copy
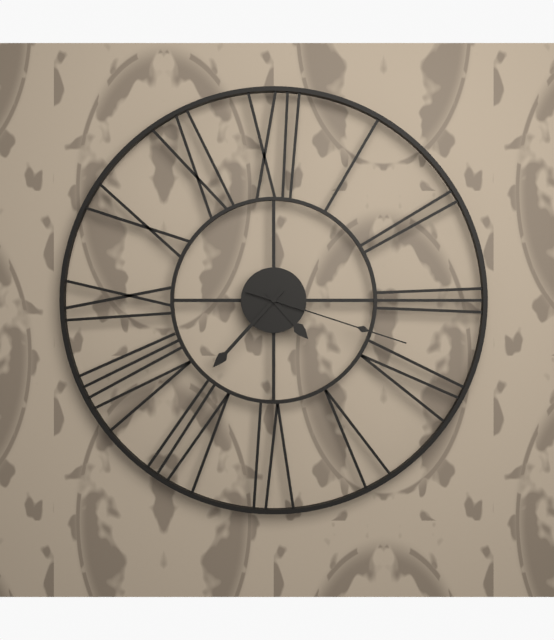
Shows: h=4 m=37 s=18
